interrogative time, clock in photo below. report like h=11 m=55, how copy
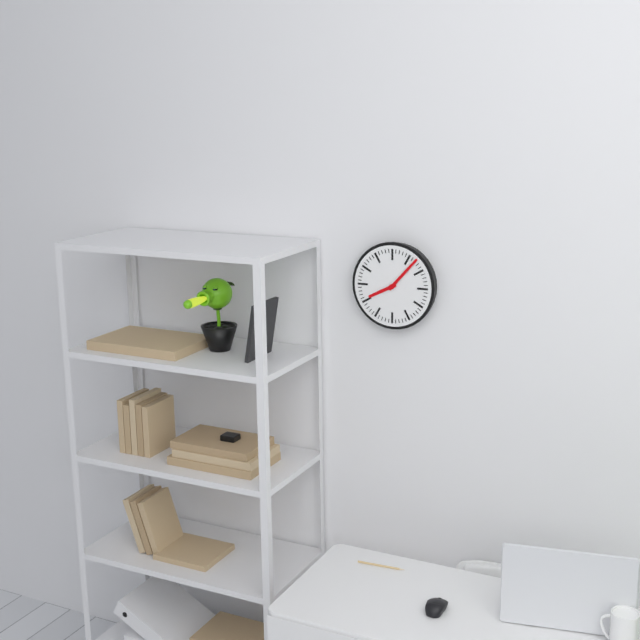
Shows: h=8 m=7
